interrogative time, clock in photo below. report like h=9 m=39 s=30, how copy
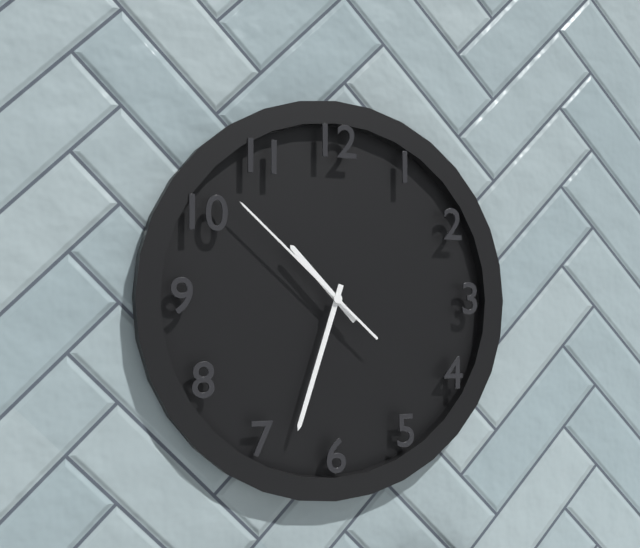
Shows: h=10 m=33 s=52
